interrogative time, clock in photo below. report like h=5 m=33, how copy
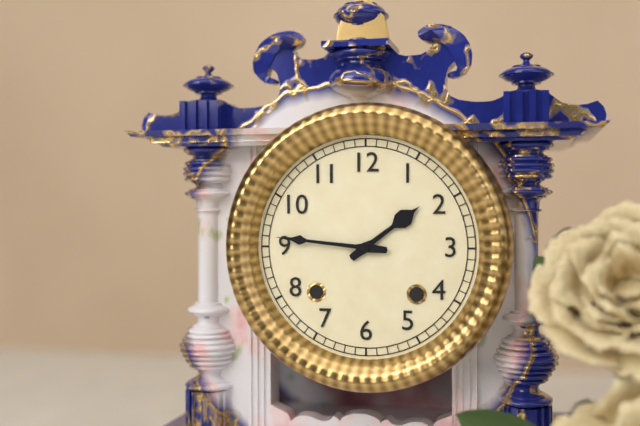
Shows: h=1 m=46
